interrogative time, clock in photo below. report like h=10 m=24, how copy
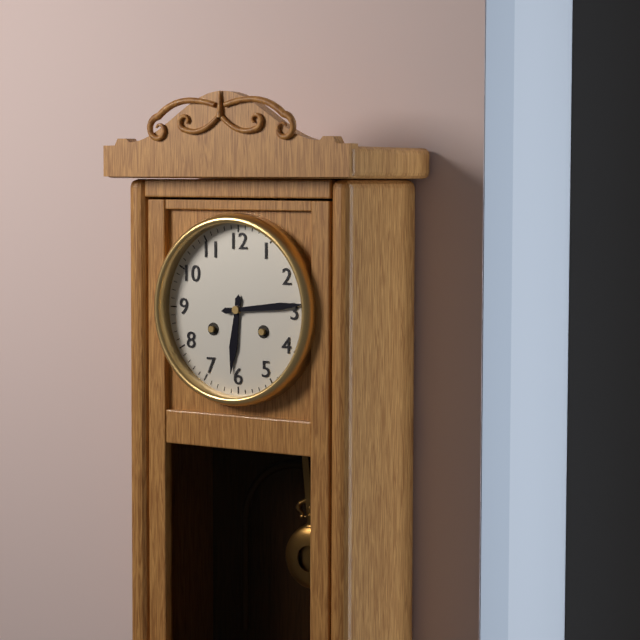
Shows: h=6 m=14
